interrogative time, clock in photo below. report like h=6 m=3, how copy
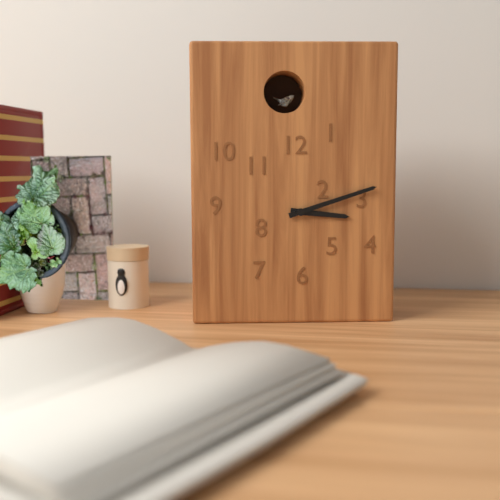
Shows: h=3 m=12
